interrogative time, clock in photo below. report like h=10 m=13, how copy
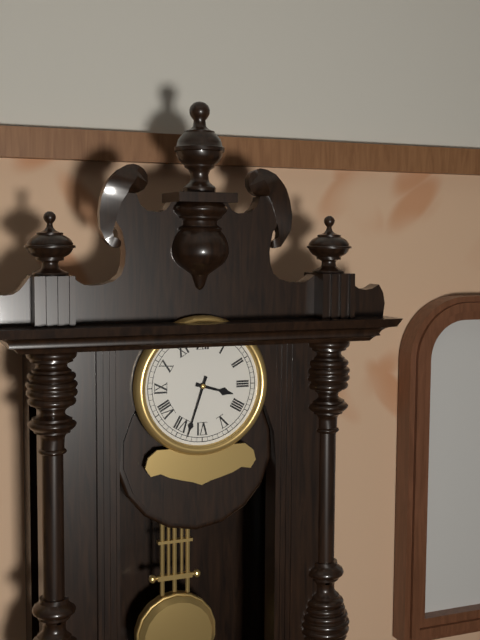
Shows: h=3 m=33
